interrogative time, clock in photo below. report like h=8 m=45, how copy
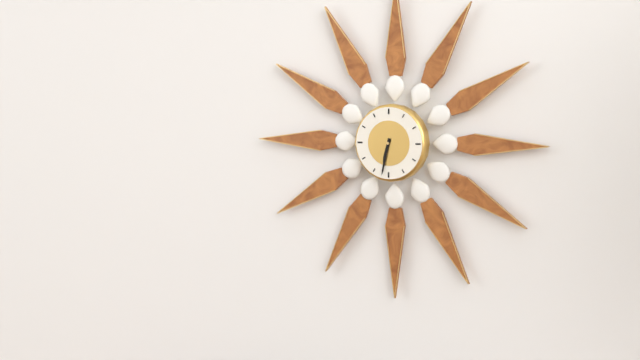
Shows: h=6 m=32
